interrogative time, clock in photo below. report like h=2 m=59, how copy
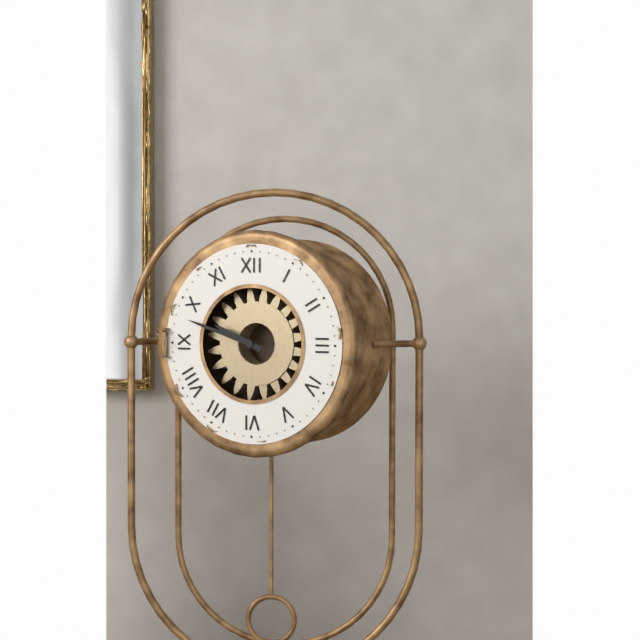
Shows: h=9 m=48
